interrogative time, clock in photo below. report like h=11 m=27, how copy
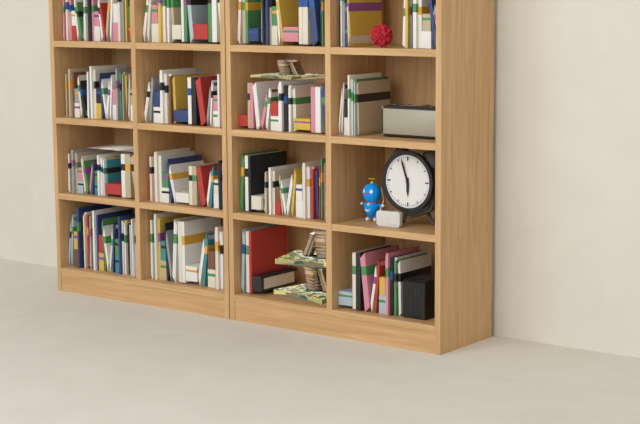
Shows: h=5 m=57
